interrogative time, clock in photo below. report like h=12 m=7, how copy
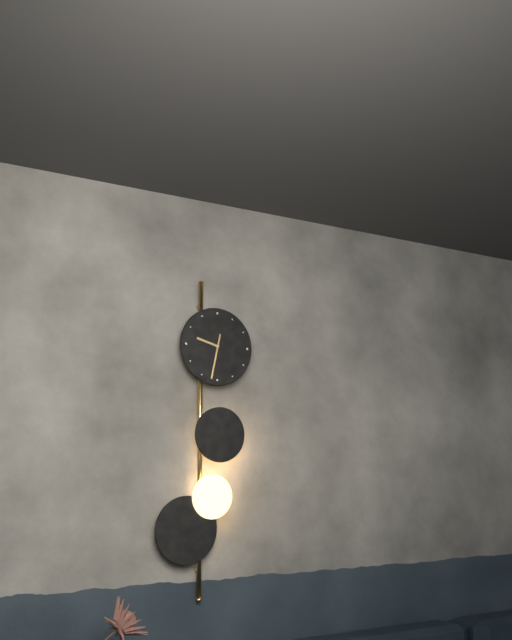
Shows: h=9 m=32
